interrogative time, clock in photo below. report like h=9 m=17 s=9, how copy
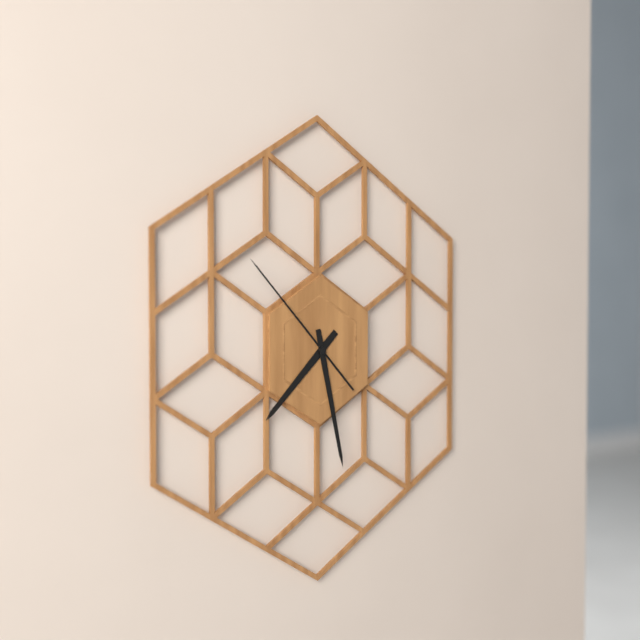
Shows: h=7 m=28 s=53
